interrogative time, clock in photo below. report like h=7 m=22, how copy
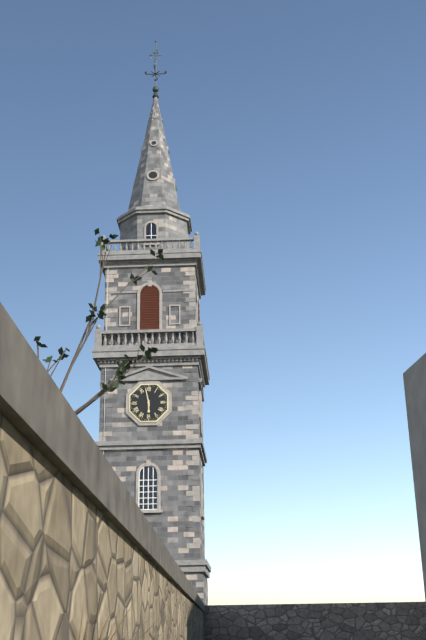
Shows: h=5 m=58
